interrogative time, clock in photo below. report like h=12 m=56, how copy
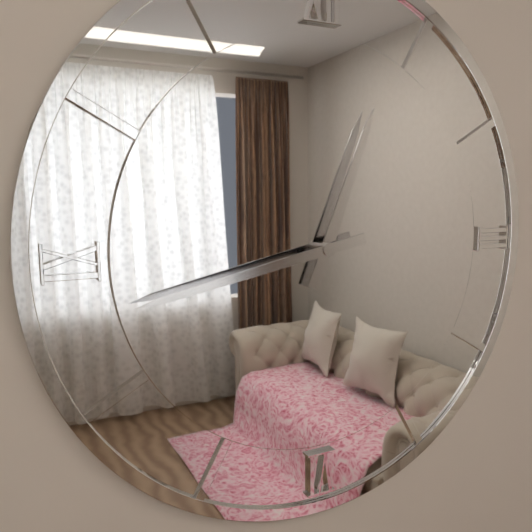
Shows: h=12 m=43
